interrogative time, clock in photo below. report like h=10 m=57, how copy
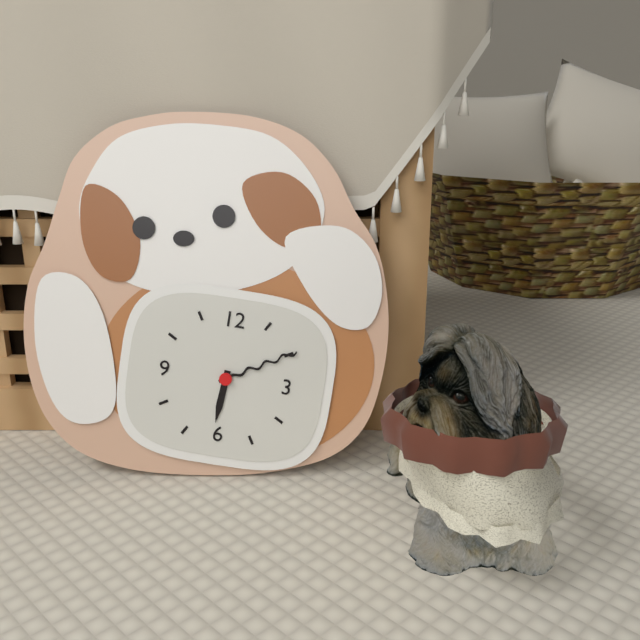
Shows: h=6 m=10
